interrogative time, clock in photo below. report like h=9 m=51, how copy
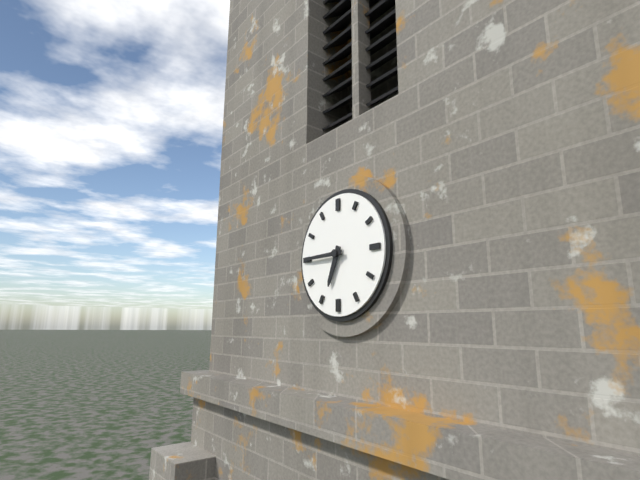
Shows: h=6 m=45
